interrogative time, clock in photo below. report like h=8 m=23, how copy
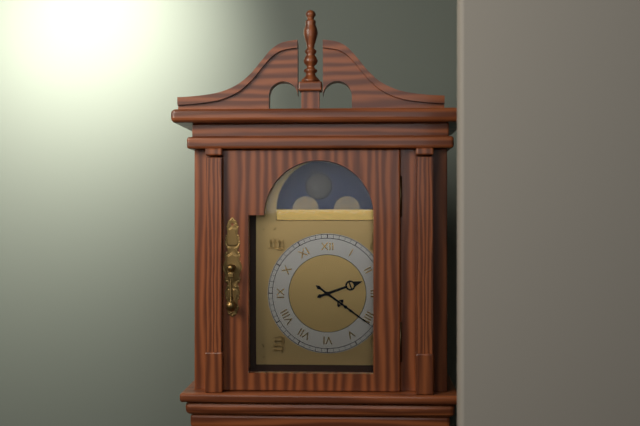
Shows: h=2 m=21
